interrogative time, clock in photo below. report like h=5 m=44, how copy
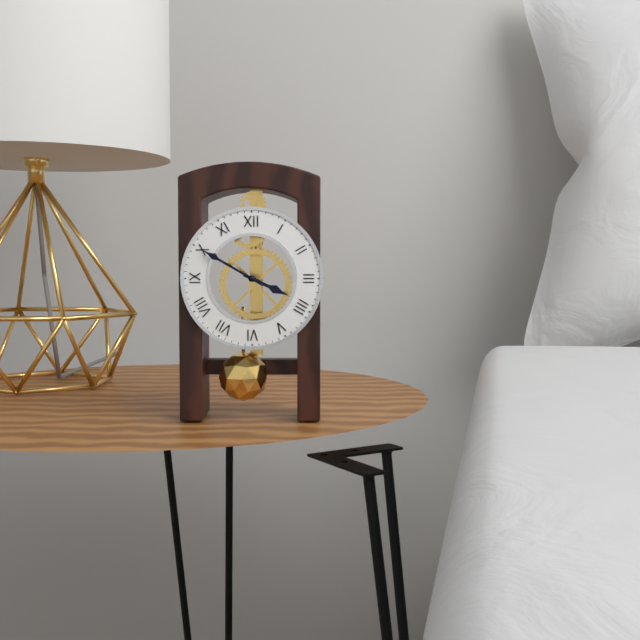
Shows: h=3 m=50
